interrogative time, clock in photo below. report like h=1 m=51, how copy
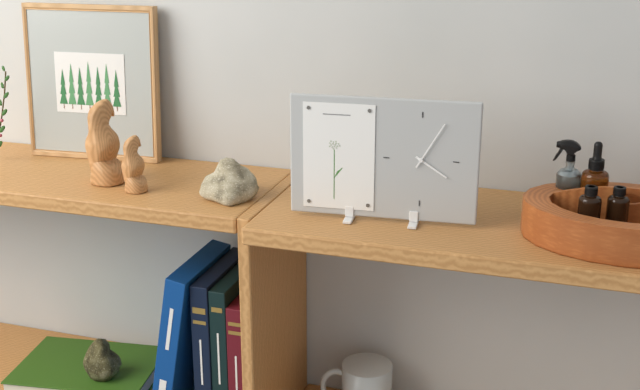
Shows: h=4 m=5
